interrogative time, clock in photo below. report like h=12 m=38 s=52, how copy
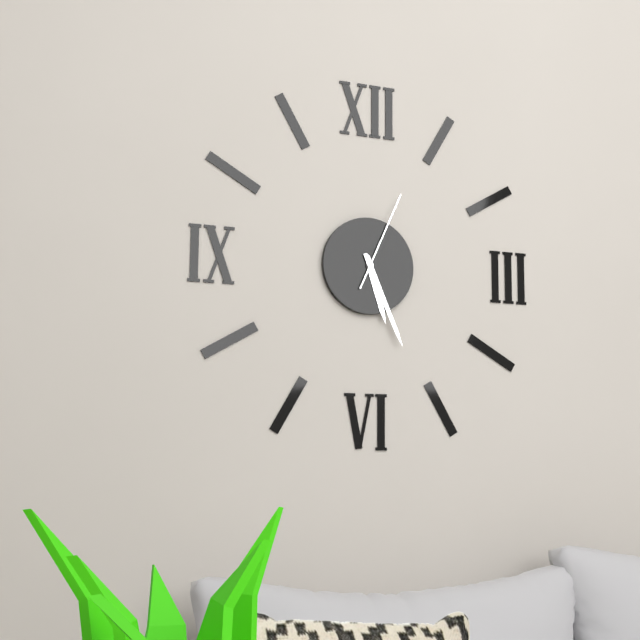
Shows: h=5 m=26 s=4
